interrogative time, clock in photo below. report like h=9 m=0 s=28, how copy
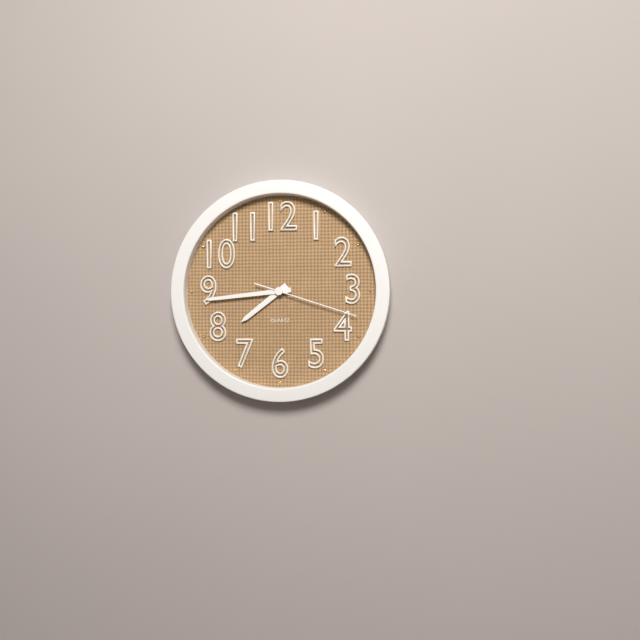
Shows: h=7 m=44 s=18
